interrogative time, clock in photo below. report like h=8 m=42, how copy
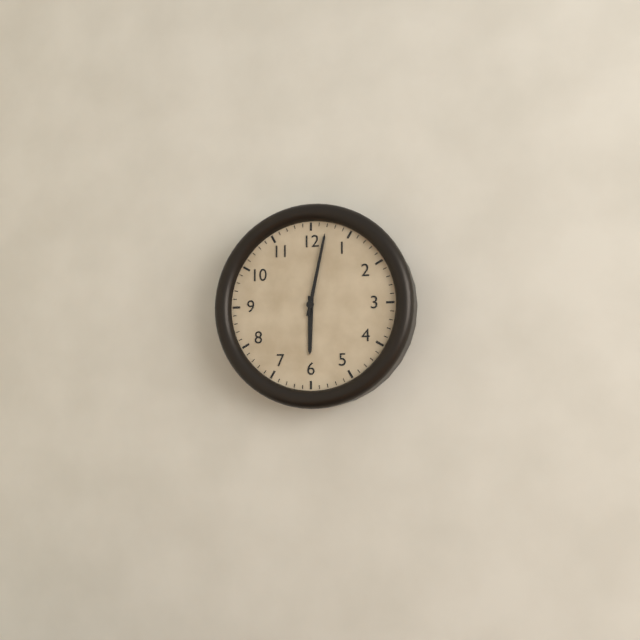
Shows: h=6 m=2
